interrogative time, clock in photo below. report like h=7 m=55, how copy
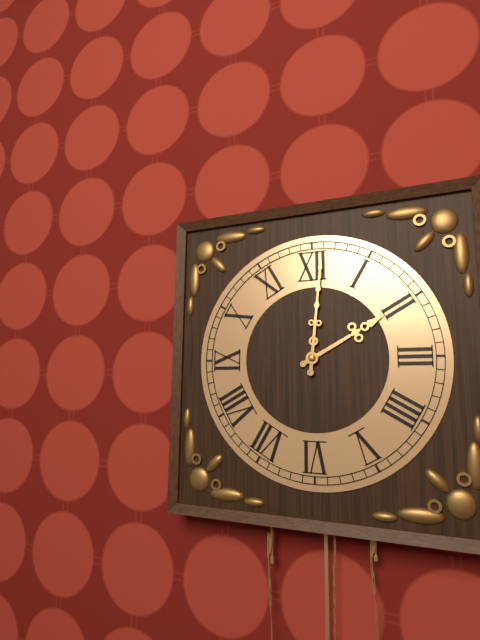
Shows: h=2 m=1
